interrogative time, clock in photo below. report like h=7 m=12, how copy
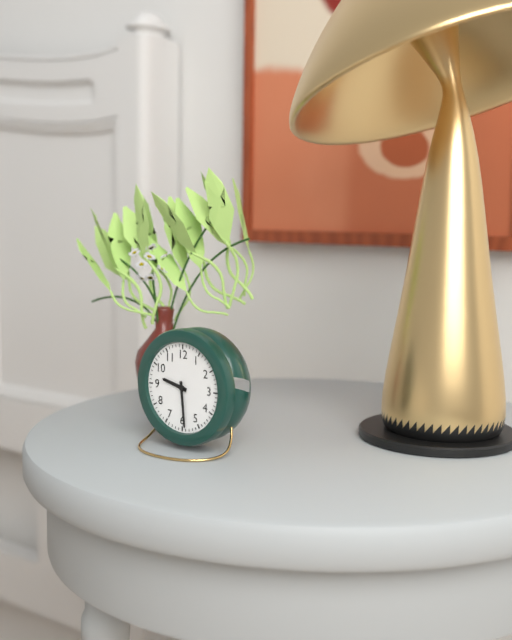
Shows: h=9 m=29
